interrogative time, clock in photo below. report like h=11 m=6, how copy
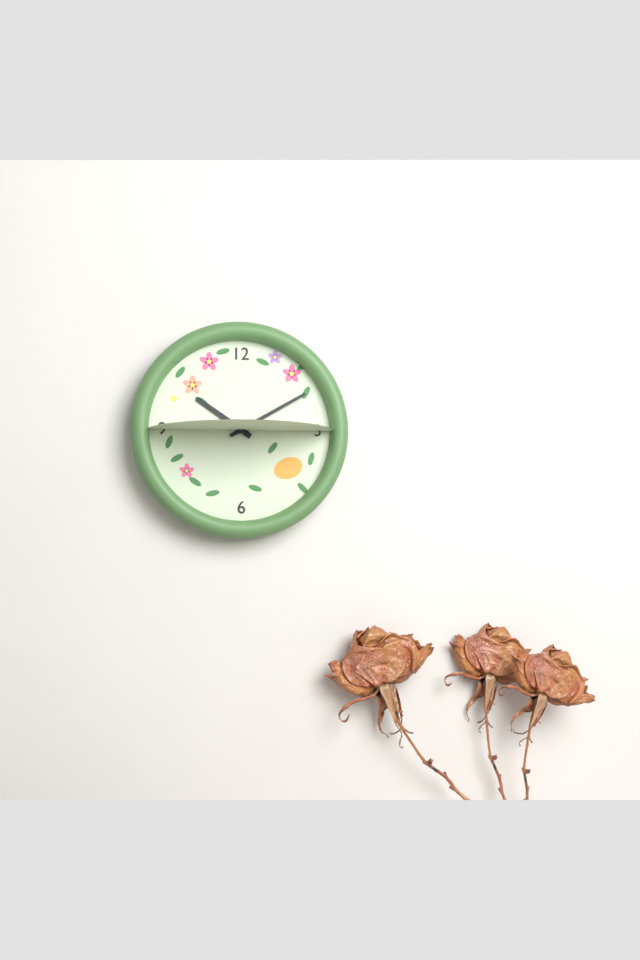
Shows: h=10 m=10
